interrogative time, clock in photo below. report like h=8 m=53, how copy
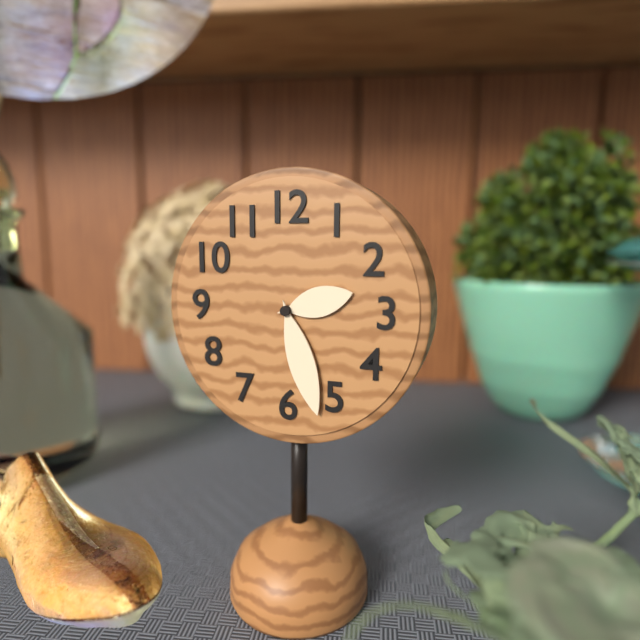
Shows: h=2 m=27
